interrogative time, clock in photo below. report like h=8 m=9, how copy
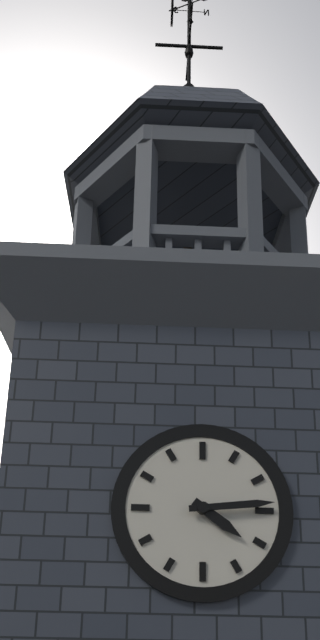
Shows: h=4 m=14
